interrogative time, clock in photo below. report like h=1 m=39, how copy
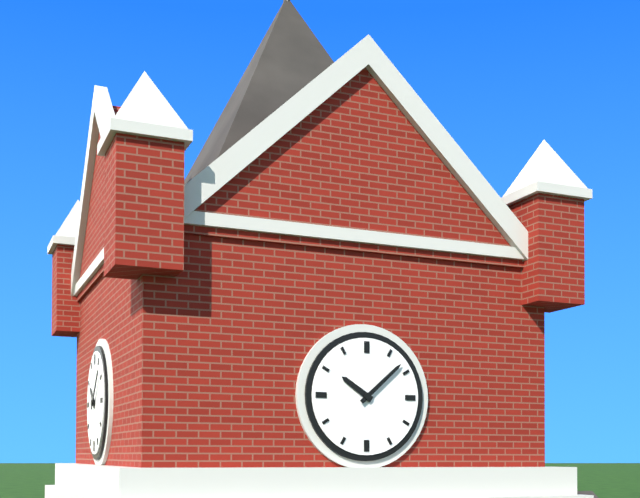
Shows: h=10 m=8
